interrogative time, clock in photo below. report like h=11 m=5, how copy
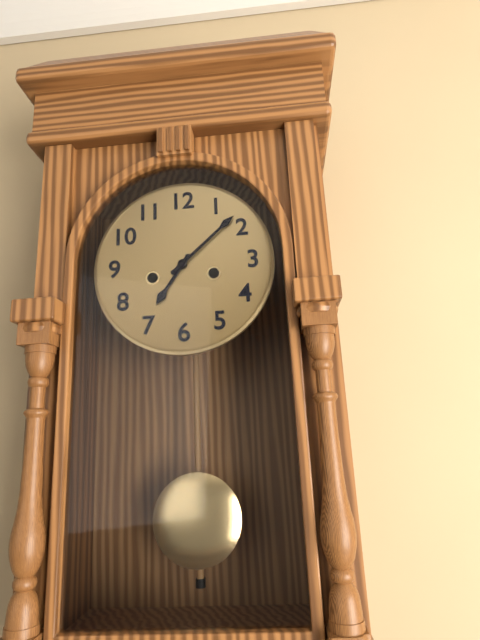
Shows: h=7 m=8
